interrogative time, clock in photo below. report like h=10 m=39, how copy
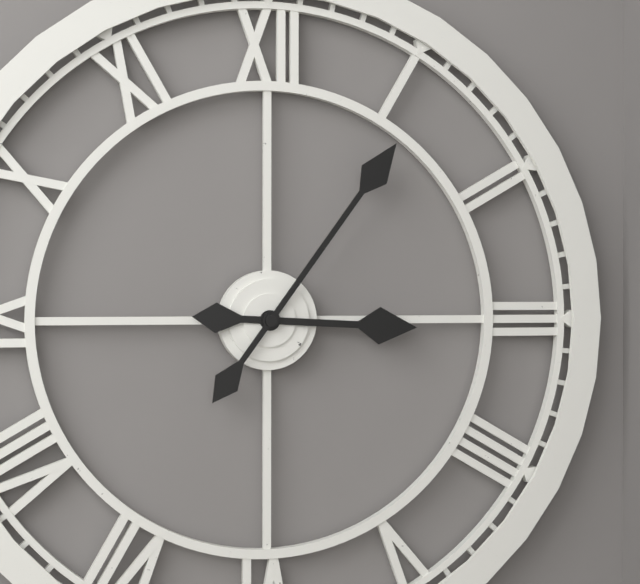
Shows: h=3 m=6
